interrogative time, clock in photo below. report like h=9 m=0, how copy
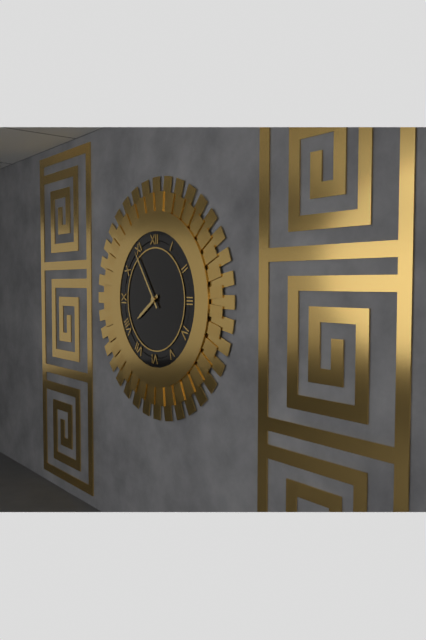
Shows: h=7 m=54
